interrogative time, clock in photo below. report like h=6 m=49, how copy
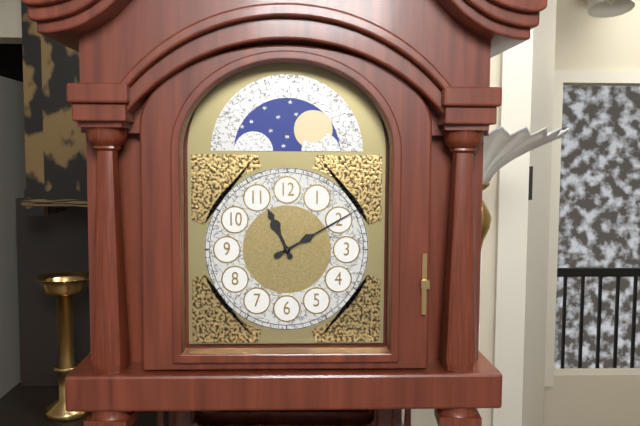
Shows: h=11 m=10
